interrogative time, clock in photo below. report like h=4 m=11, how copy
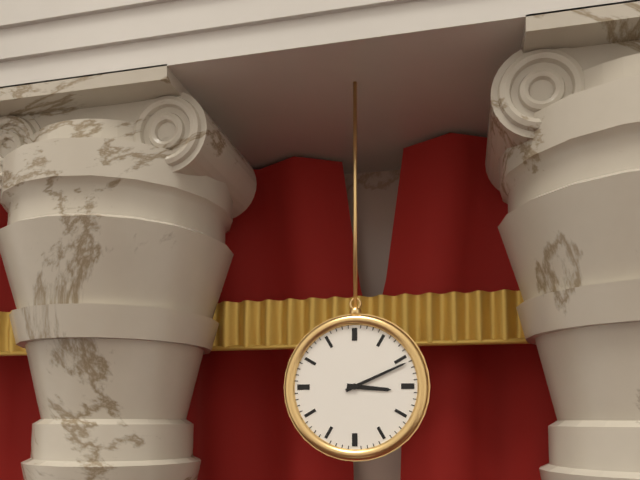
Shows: h=3 m=11
